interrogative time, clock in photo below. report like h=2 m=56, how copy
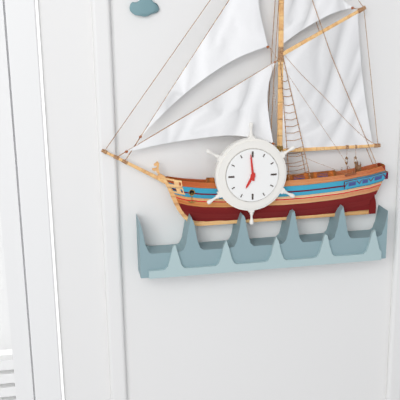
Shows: h=6 m=59
